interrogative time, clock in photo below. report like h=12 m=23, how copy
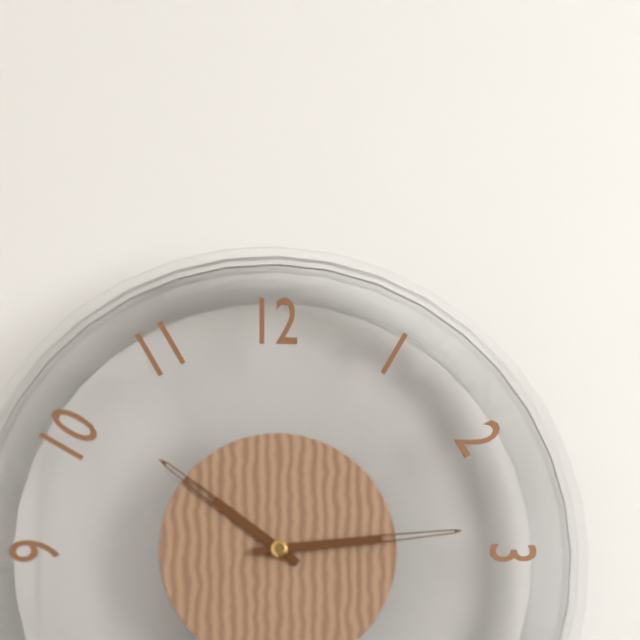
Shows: h=10 m=14
